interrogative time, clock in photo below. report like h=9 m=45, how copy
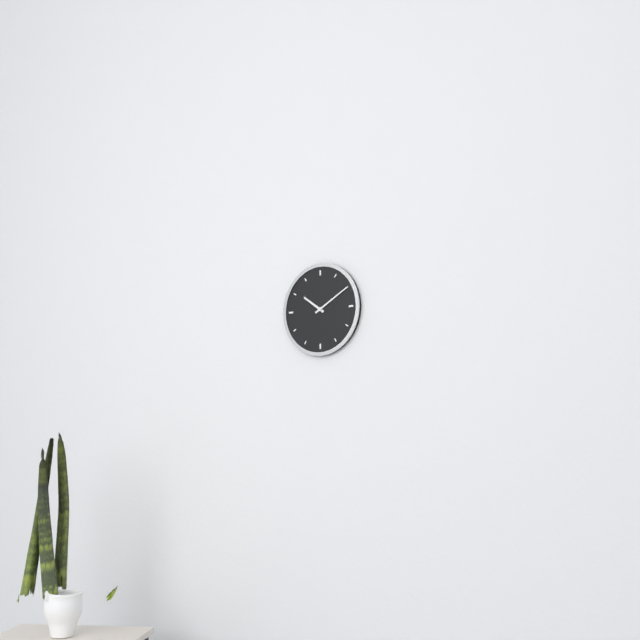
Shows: h=10 m=10
